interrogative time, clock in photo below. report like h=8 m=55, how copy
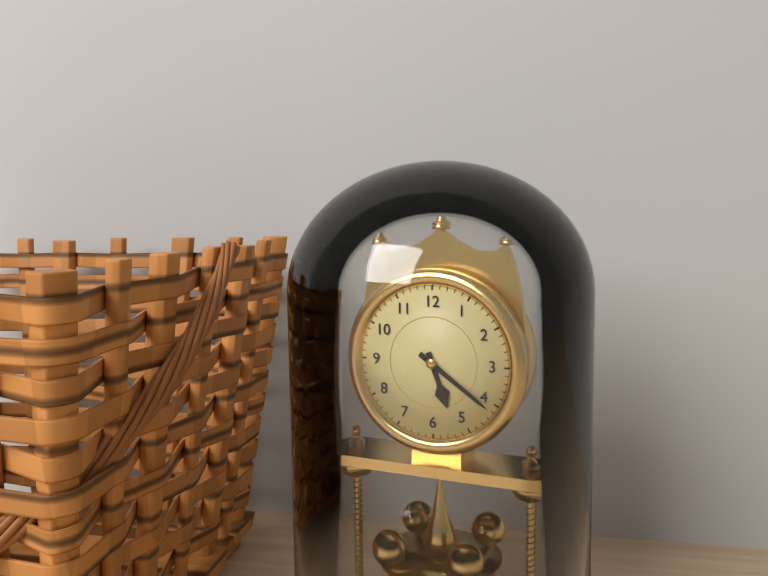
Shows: h=5 m=21
